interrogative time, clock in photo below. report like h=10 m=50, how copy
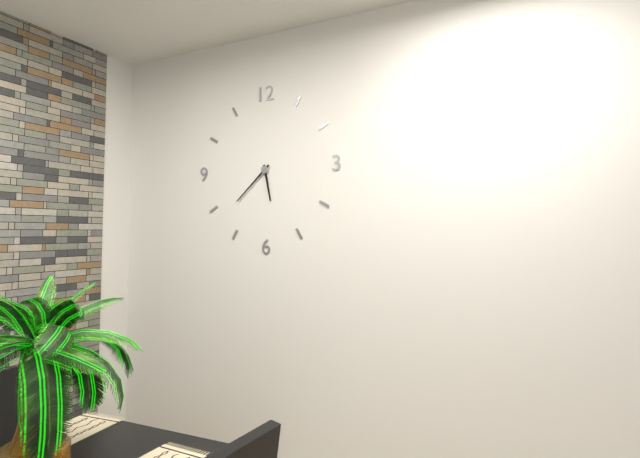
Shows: h=5 m=38
